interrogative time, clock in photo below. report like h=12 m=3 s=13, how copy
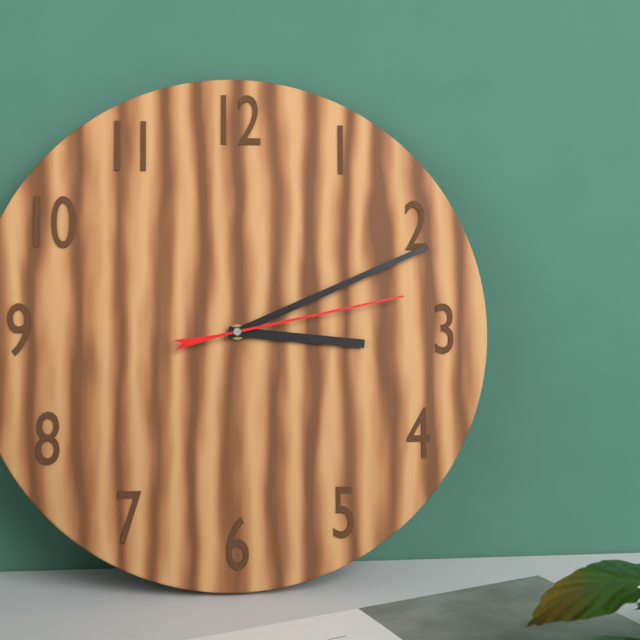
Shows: h=3 m=11 s=13
